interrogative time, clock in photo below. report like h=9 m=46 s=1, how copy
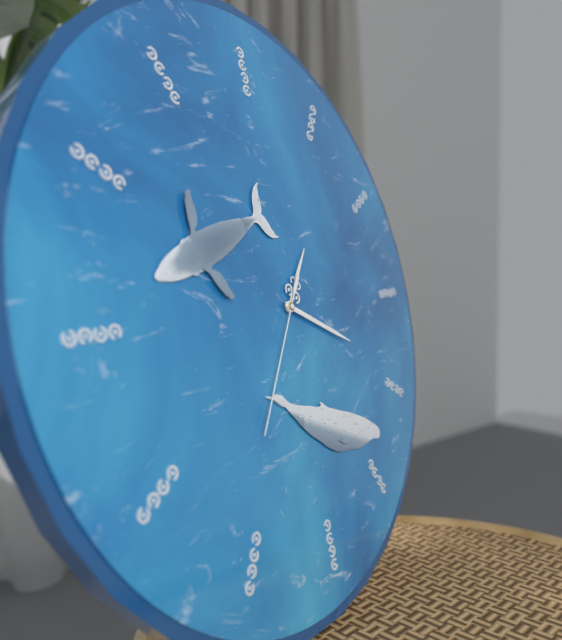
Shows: h=1 m=19 s=36
